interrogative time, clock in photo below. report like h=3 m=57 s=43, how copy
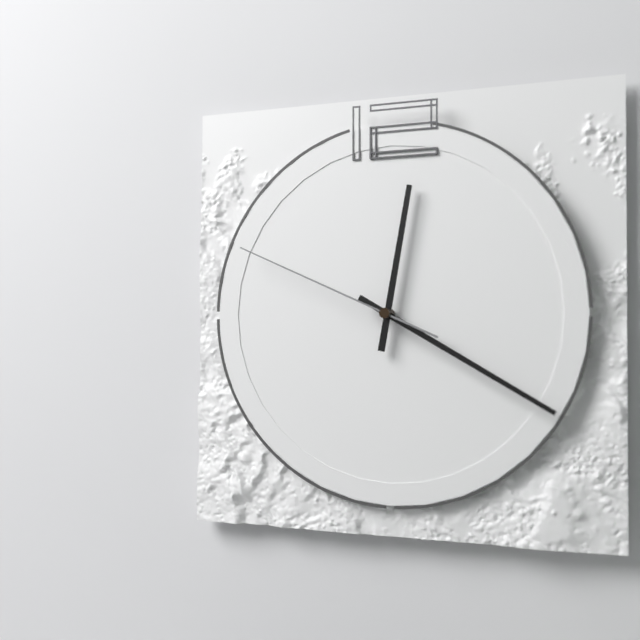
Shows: h=12 m=20 s=49
